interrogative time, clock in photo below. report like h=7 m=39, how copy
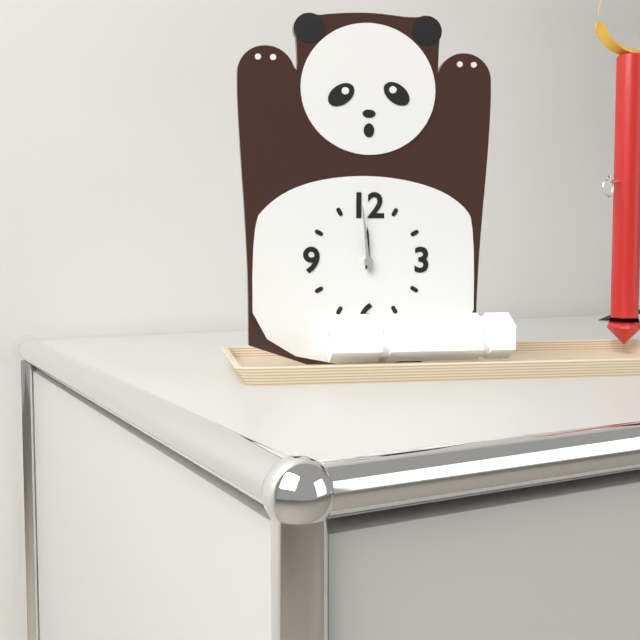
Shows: h=11 m=59
